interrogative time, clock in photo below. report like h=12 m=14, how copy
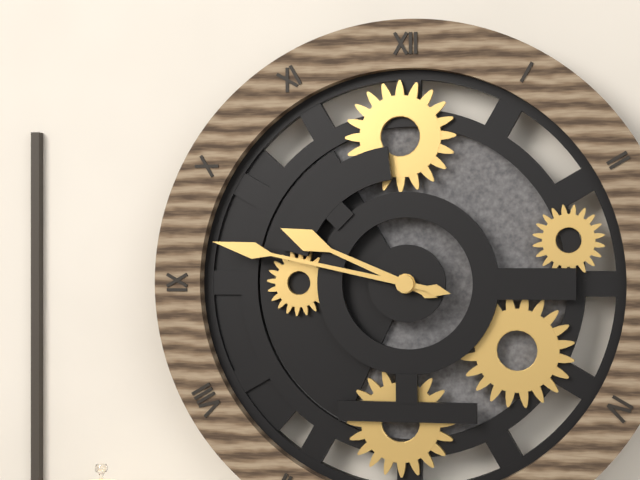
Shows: h=9 m=47
